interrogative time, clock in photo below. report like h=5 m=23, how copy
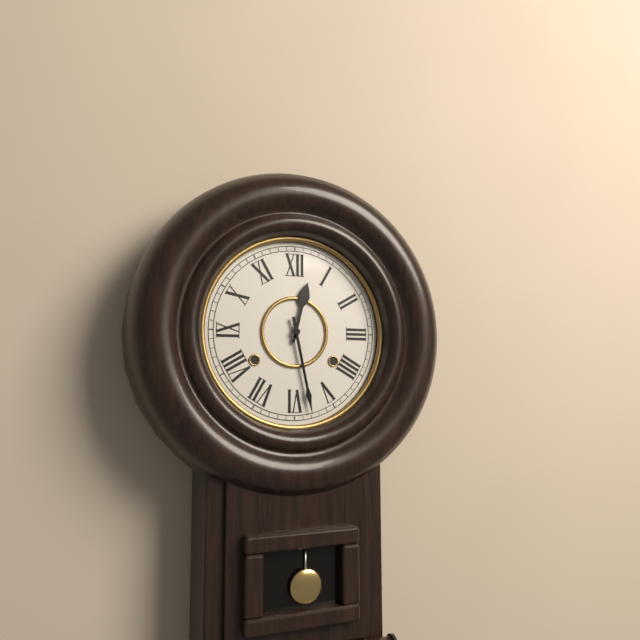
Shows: h=12 m=28
